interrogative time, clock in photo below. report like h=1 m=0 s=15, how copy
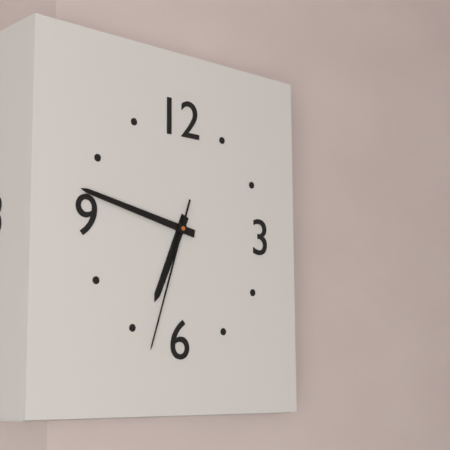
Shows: h=6 m=47 s=33
